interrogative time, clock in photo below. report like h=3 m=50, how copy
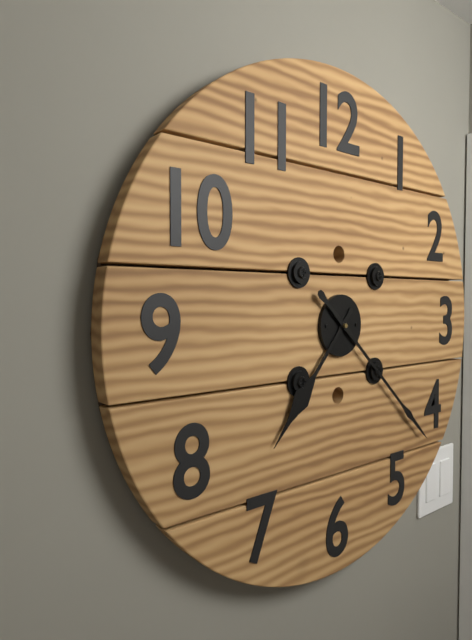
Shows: h=7 m=22
